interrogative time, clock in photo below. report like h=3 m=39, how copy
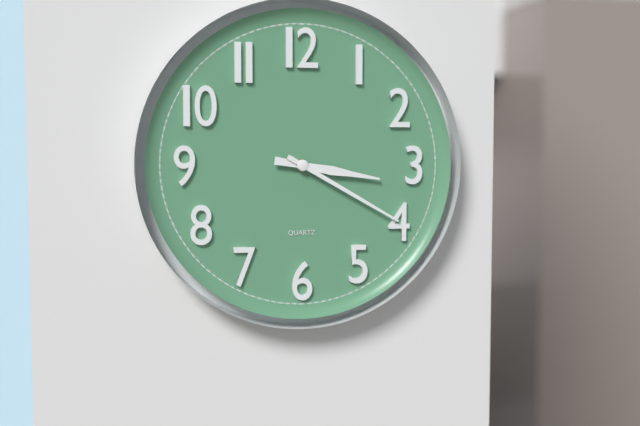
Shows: h=3 m=20
